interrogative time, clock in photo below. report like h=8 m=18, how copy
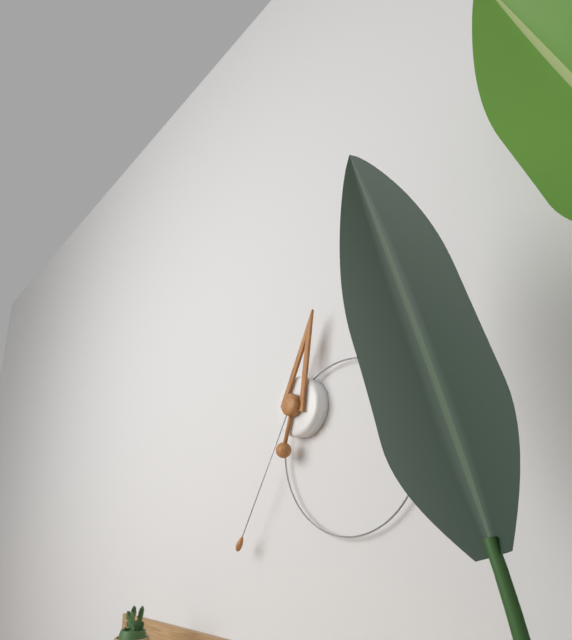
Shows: h=12 m=35
